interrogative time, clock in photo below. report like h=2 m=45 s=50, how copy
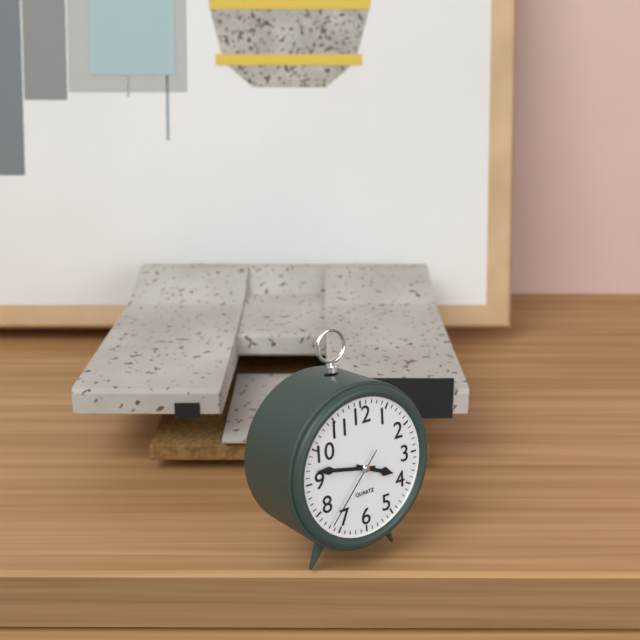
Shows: h=3 m=47 s=37
